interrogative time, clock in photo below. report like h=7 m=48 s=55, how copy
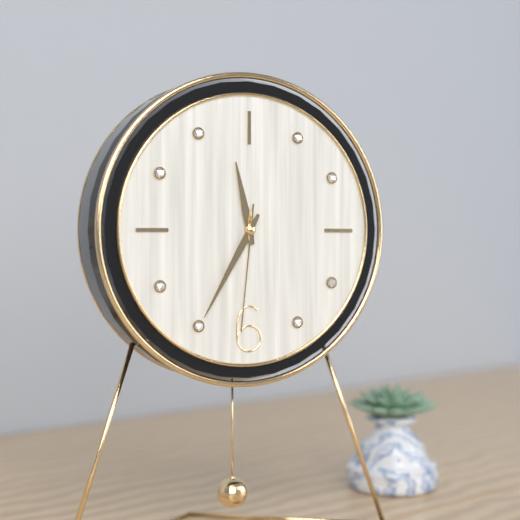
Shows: h=11 m=35 s=31
